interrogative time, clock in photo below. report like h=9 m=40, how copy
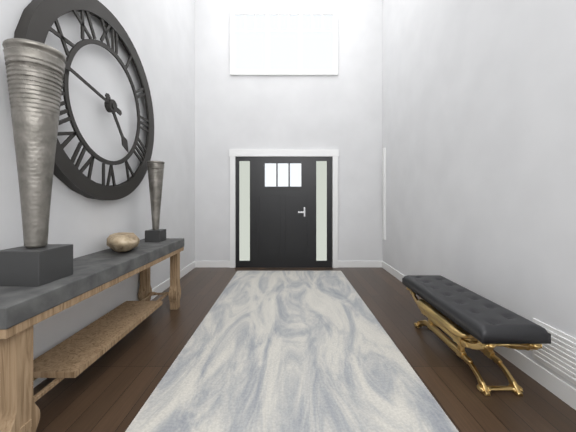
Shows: h=4 m=47
